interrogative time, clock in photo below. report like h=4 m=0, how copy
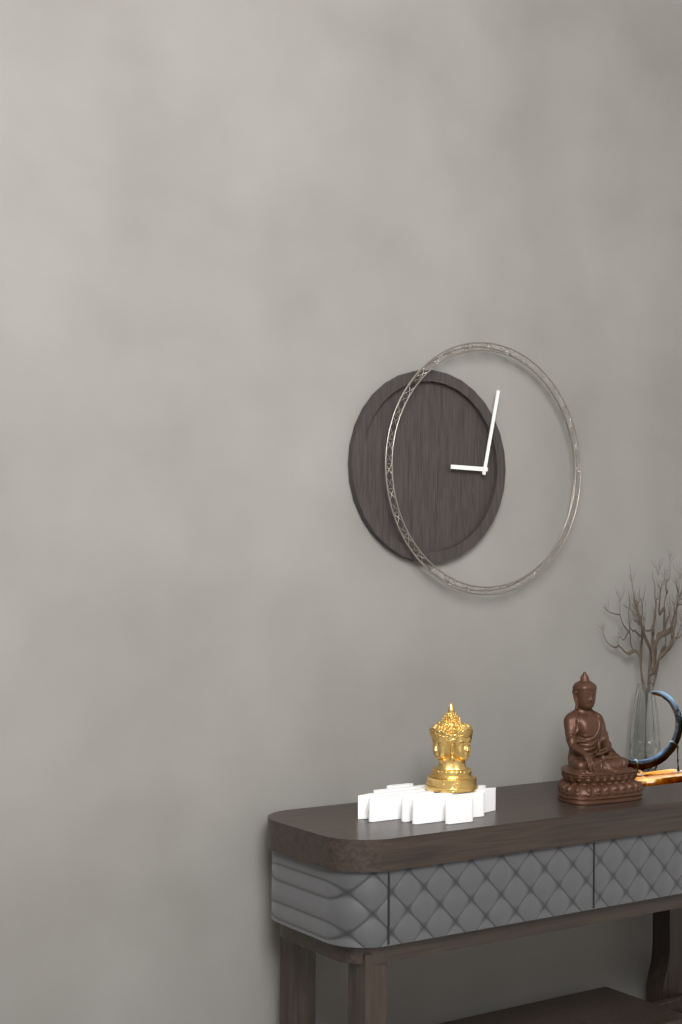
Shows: h=9 m=2
